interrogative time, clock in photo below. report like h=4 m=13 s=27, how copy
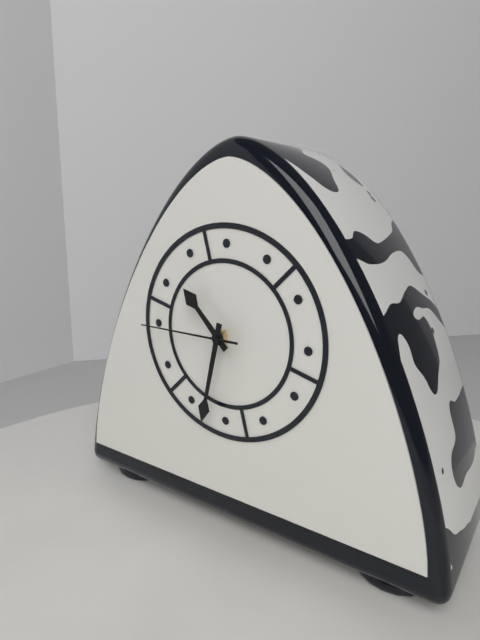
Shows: h=10 m=32 s=45
